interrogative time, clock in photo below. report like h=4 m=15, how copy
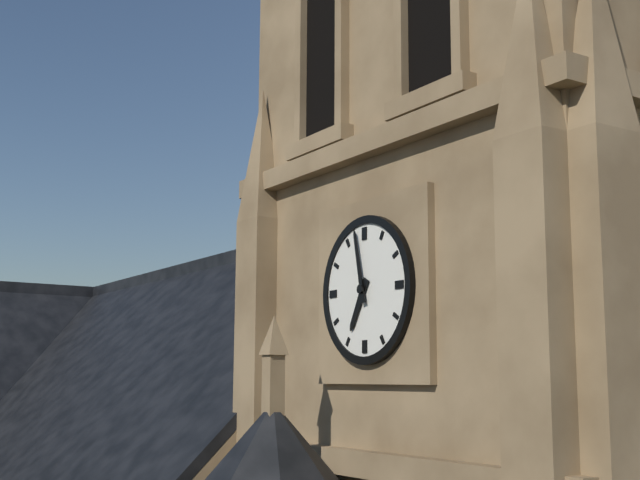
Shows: h=6 m=58
